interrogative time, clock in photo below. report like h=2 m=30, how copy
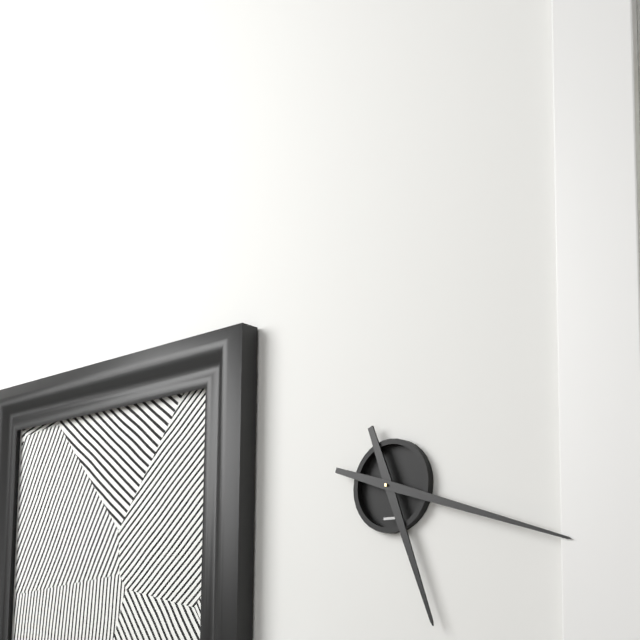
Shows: h=5 m=18
